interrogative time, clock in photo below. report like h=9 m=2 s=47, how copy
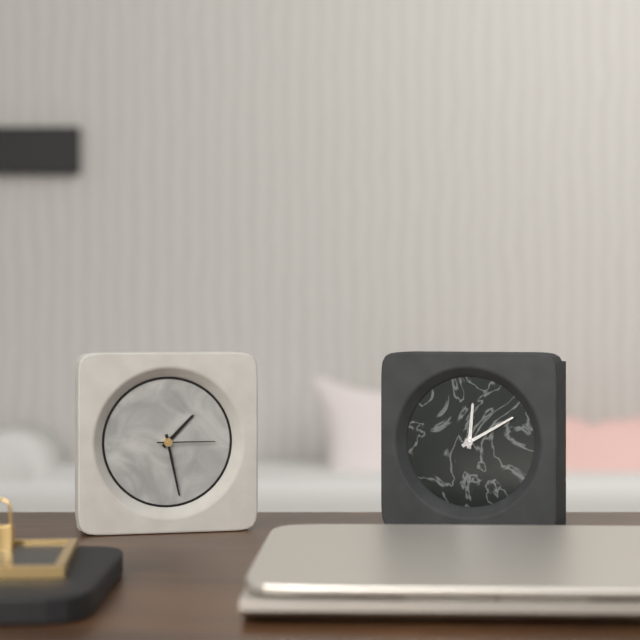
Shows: h=1 m=28 s=15
